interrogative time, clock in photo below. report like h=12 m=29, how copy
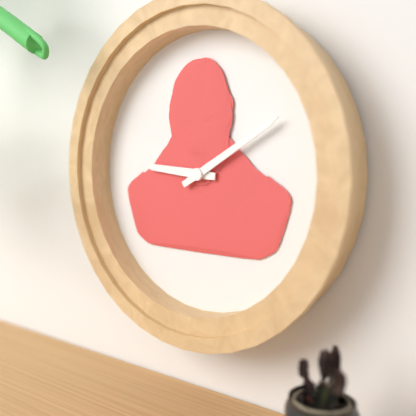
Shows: h=9 m=10
